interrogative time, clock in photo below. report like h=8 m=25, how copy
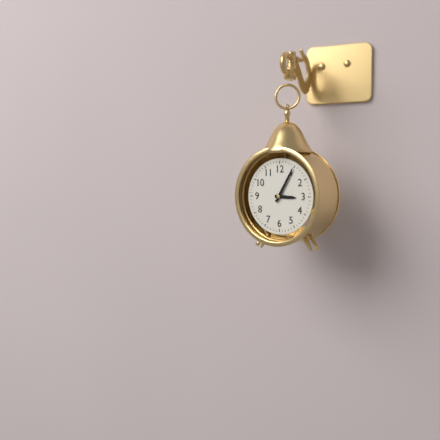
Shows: h=3 m=5
